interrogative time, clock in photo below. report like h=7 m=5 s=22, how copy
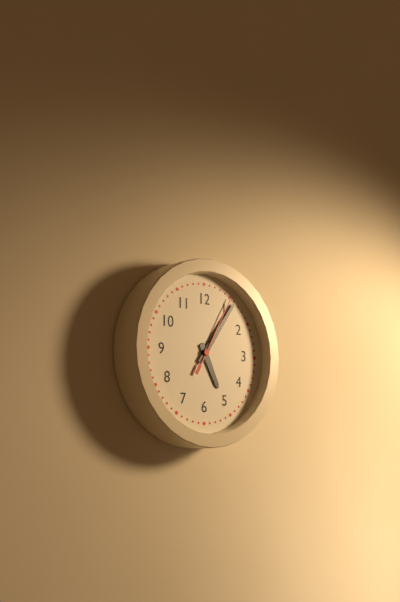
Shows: h=5 m=6 s=5
